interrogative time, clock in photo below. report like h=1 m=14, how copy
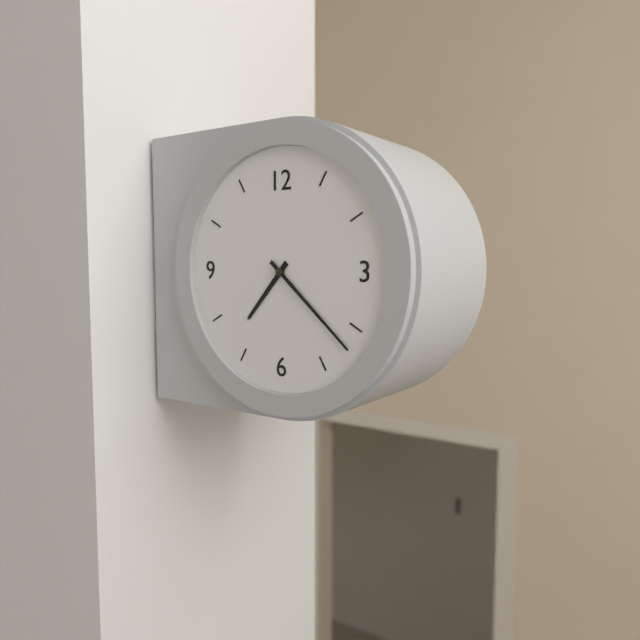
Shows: h=7 m=22
